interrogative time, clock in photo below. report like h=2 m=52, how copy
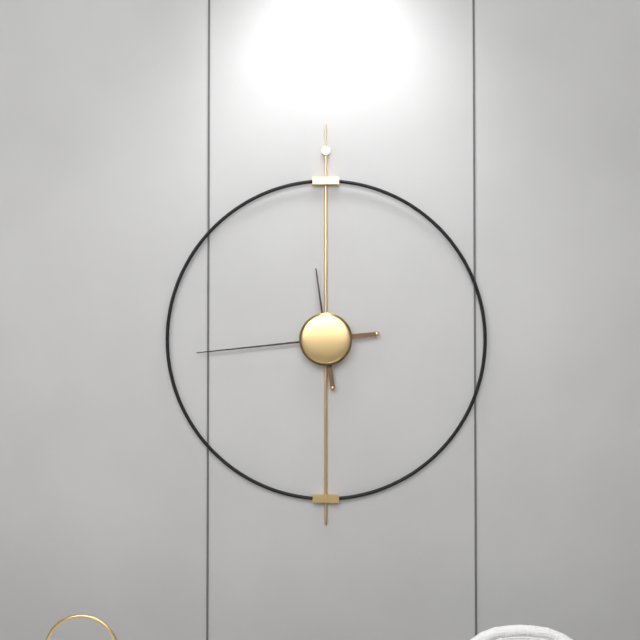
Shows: h=11 m=44
